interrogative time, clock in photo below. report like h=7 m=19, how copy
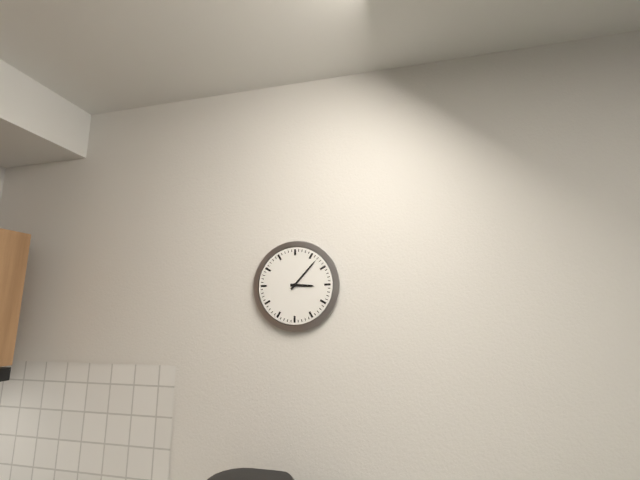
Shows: h=3 m=7
